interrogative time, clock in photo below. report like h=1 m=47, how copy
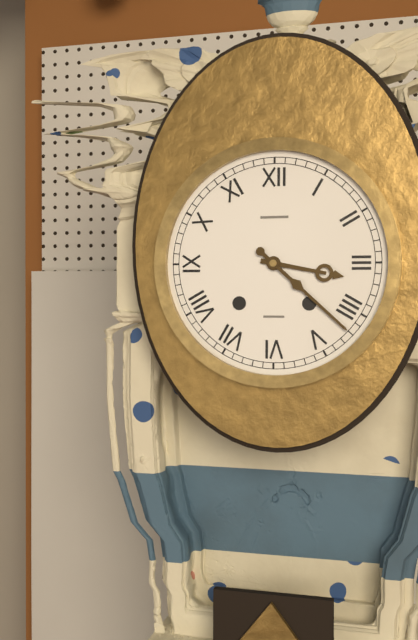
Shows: h=3 m=22
